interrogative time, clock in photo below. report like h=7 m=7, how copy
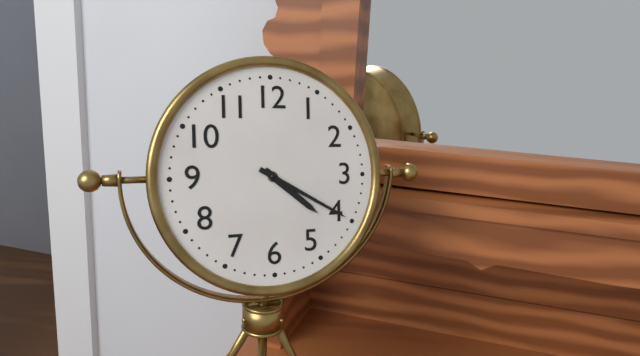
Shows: h=4 m=20
